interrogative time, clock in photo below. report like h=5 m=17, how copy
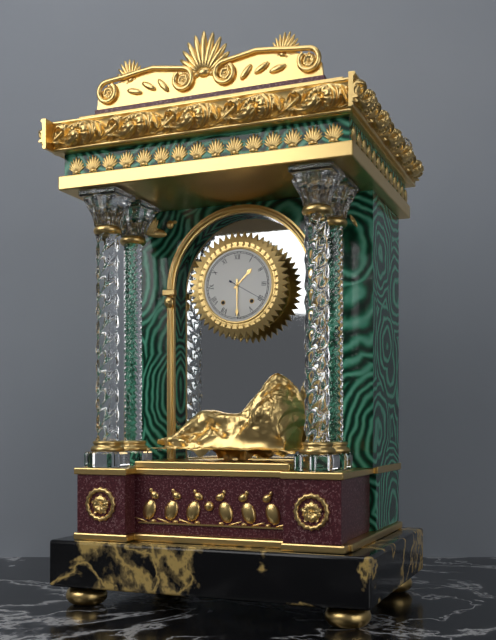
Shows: h=1 m=30
